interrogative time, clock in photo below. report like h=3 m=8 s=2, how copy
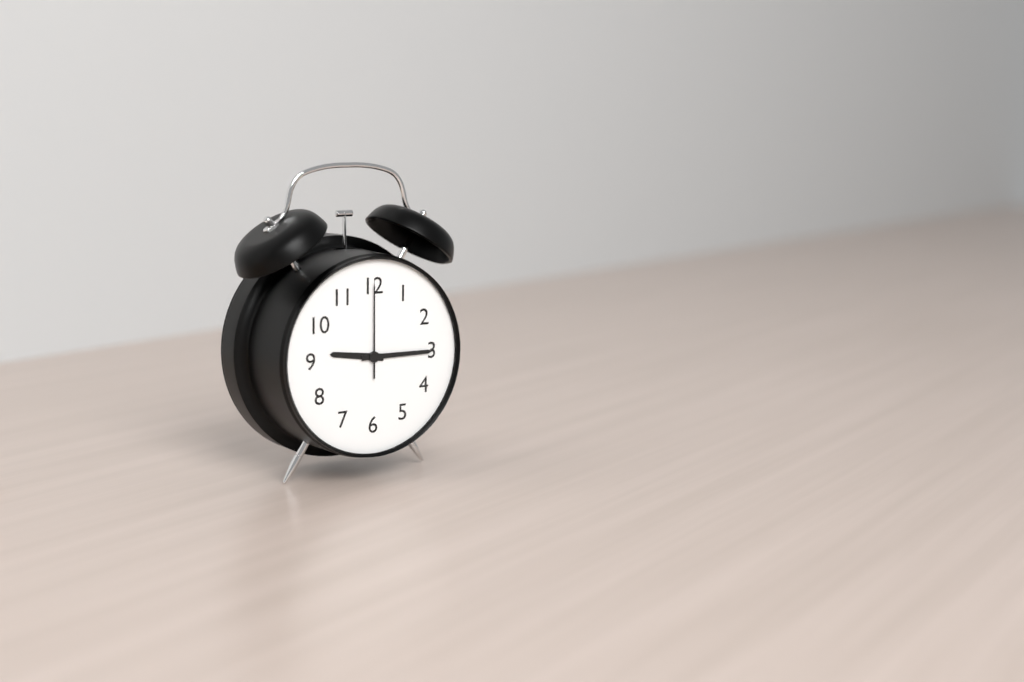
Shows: h=9 m=15 s=0
